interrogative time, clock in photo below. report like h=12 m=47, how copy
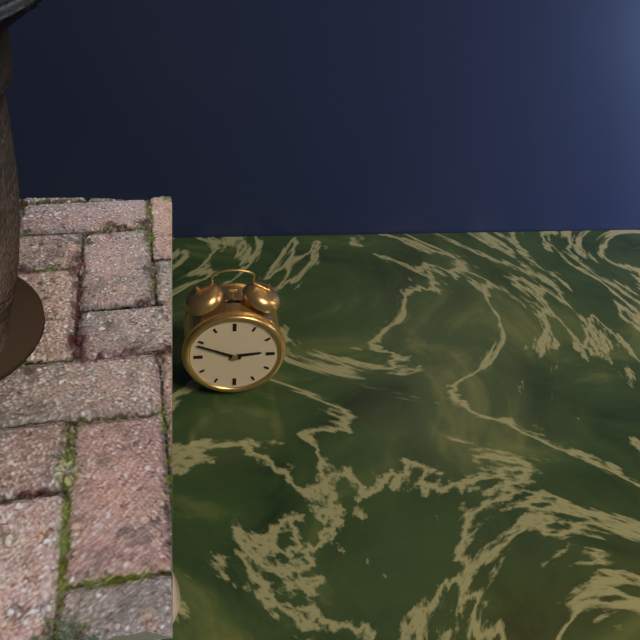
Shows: h=2 m=49
